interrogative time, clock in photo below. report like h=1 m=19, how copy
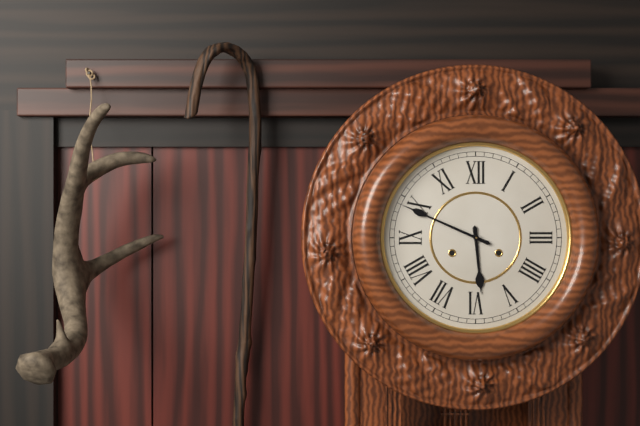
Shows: h=5 m=49
